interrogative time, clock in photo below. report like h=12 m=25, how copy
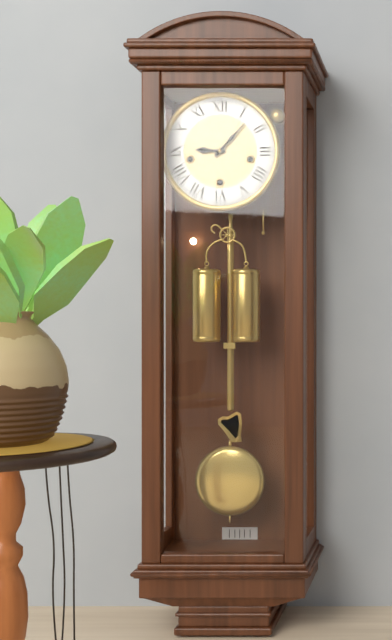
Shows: h=9 m=7
